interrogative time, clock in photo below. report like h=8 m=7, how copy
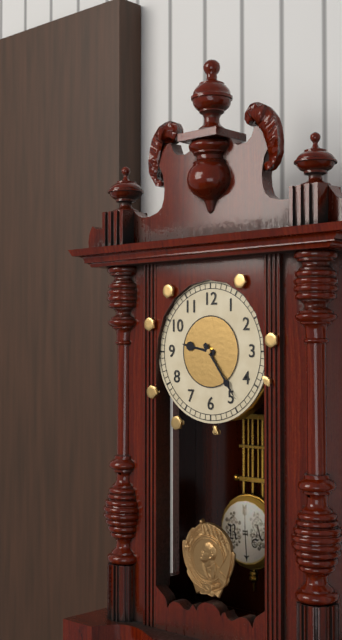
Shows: h=9 m=24
